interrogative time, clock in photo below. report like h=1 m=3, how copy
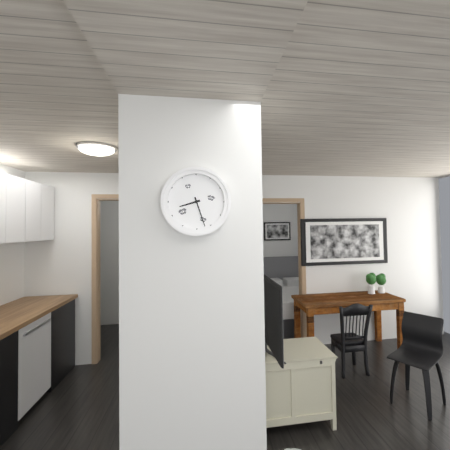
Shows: h=8 m=27
